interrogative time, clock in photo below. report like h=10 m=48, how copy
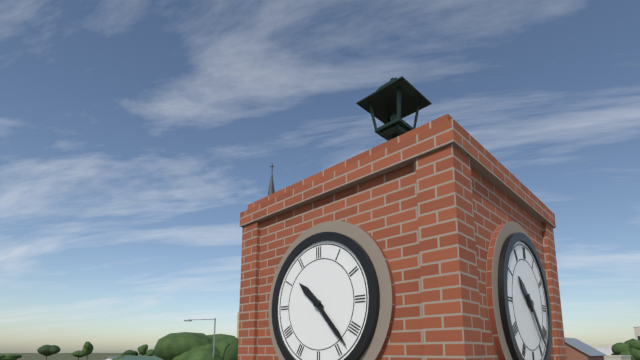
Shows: h=10 m=23
